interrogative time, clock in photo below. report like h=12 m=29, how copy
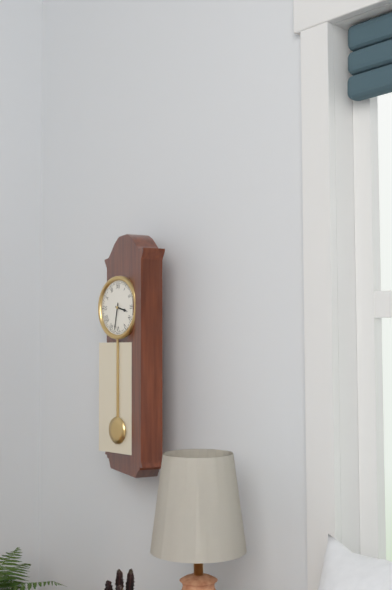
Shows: h=3 m=32
